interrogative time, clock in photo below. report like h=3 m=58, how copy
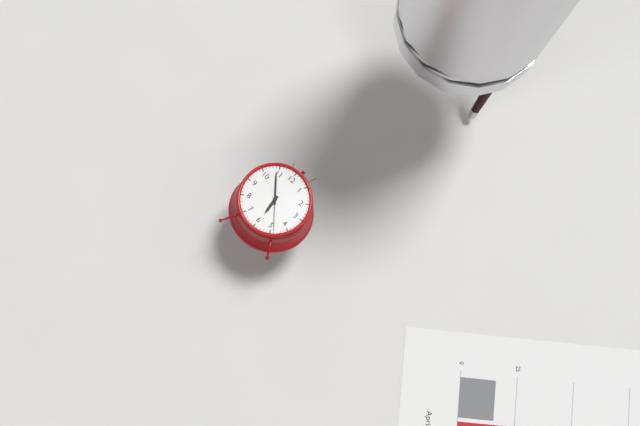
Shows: h=5 m=54
